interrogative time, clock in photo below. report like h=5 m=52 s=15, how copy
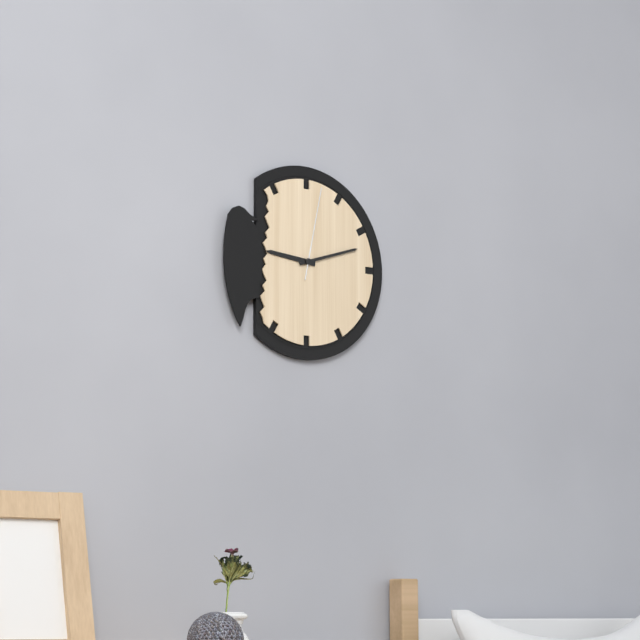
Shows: h=9 m=12 s=2
